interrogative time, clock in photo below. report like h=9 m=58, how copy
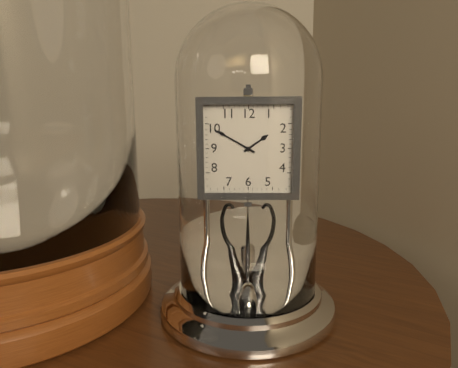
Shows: h=1 m=50
